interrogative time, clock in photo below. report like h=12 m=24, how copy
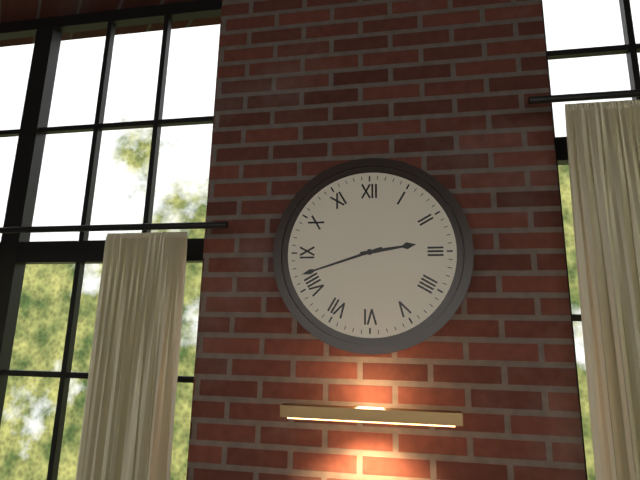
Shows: h=2 m=42
